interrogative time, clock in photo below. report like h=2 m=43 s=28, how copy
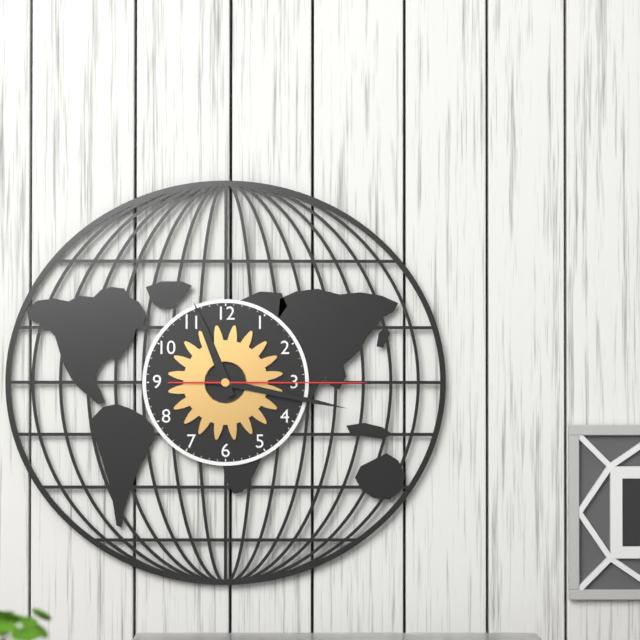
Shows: h=11 m=17 s=15
